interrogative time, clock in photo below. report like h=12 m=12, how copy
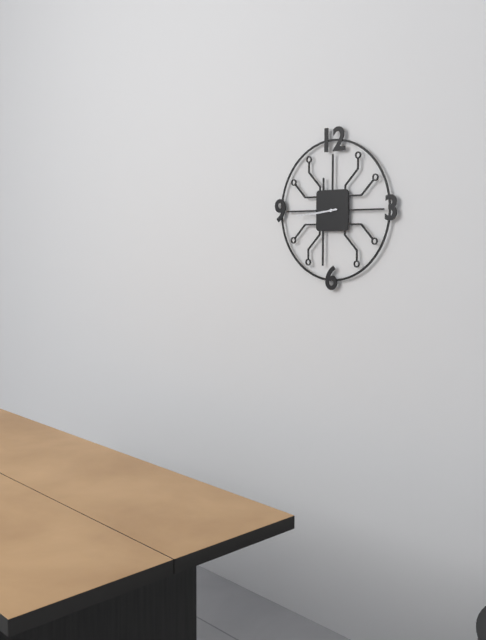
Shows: h=8 m=44
